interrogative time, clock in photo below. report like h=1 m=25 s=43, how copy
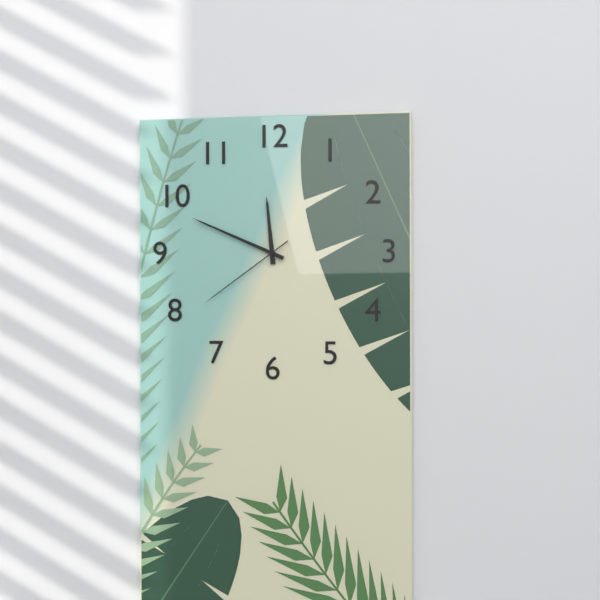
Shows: h=11 m=49 s=39
